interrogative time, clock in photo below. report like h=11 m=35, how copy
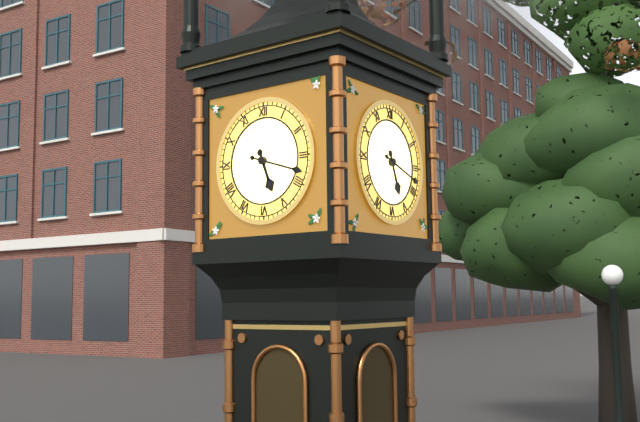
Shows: h=5 m=18
